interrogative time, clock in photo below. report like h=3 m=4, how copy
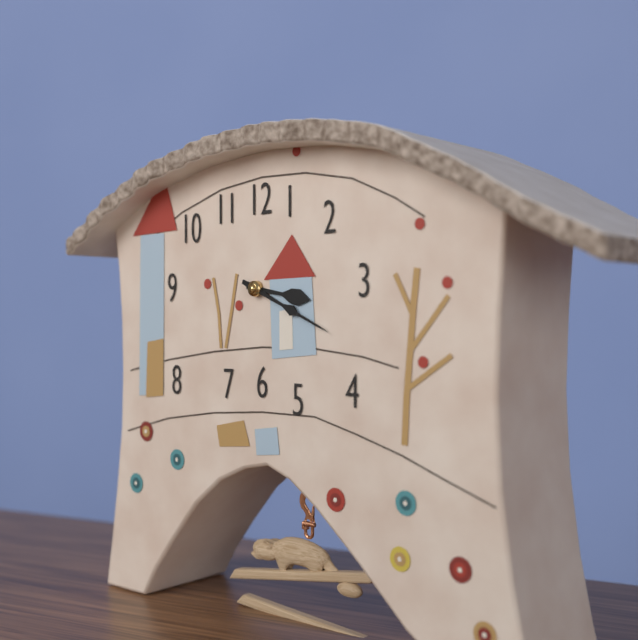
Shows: h=3 m=19
